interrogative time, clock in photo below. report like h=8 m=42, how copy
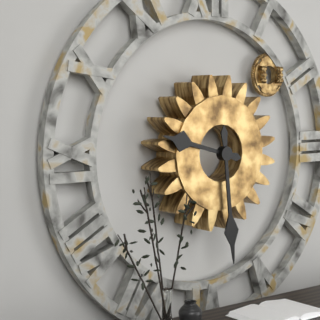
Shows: h=9 m=29
